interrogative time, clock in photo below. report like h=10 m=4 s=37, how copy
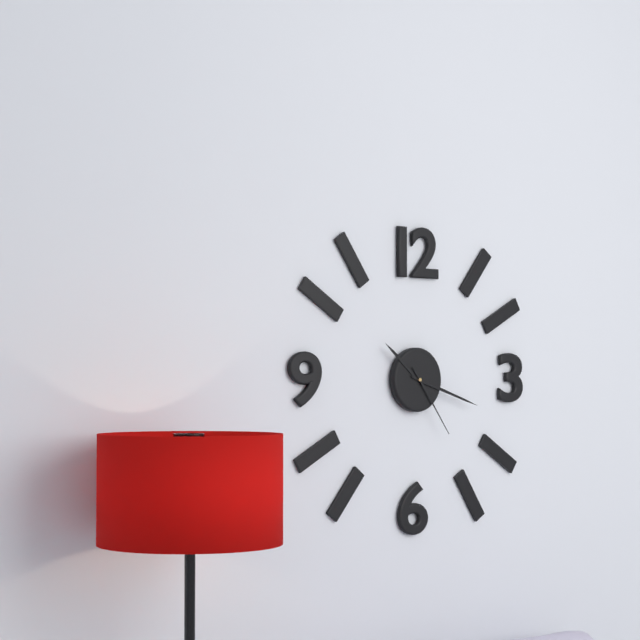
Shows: h=10 m=18 s=24
